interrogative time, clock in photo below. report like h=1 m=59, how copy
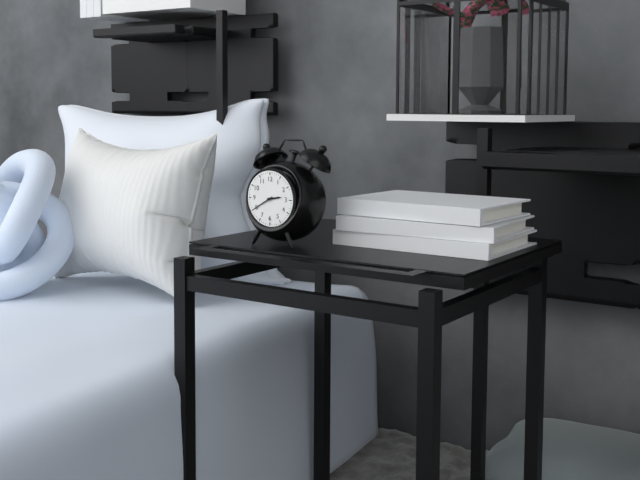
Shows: h=2 m=40
